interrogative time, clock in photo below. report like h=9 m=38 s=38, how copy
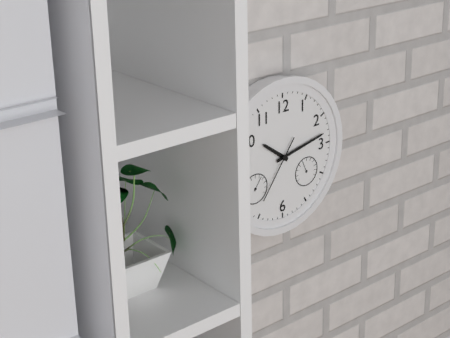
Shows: h=10 m=13 s=36
